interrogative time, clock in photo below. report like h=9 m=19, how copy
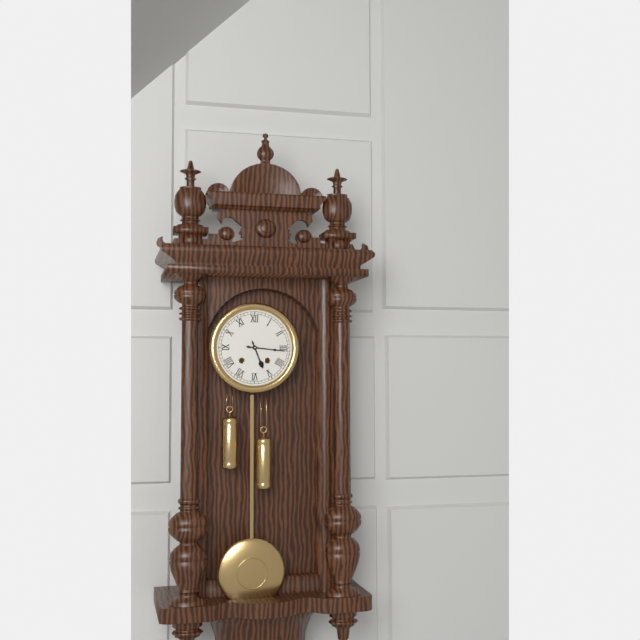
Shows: h=5 m=16
